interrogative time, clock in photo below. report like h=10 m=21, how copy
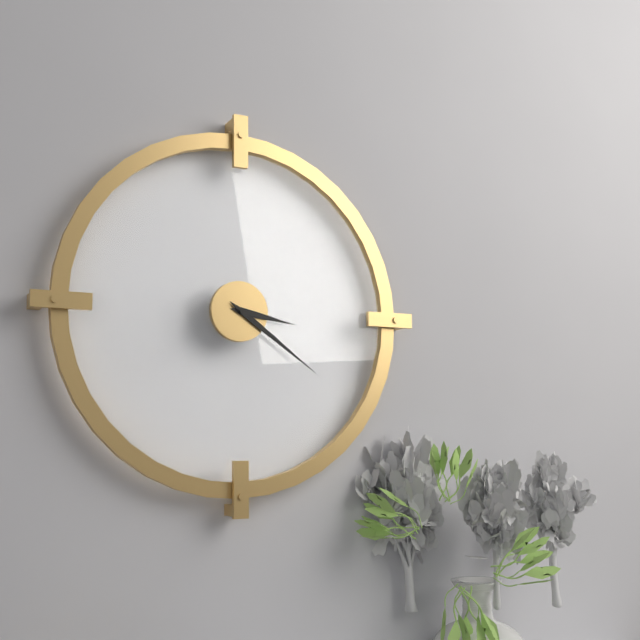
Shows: h=3 m=21
